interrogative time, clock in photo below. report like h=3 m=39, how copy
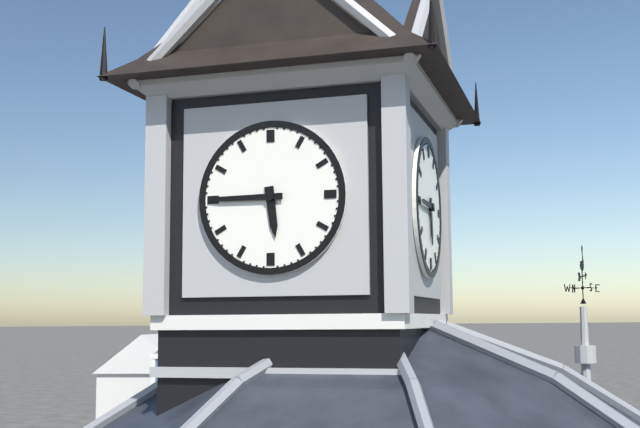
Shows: h=5 m=45
